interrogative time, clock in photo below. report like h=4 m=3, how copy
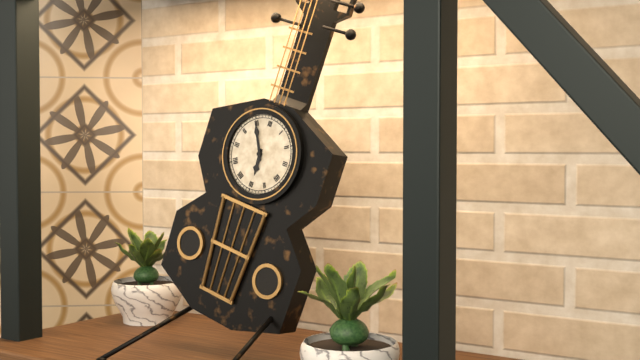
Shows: h=5 m=55
